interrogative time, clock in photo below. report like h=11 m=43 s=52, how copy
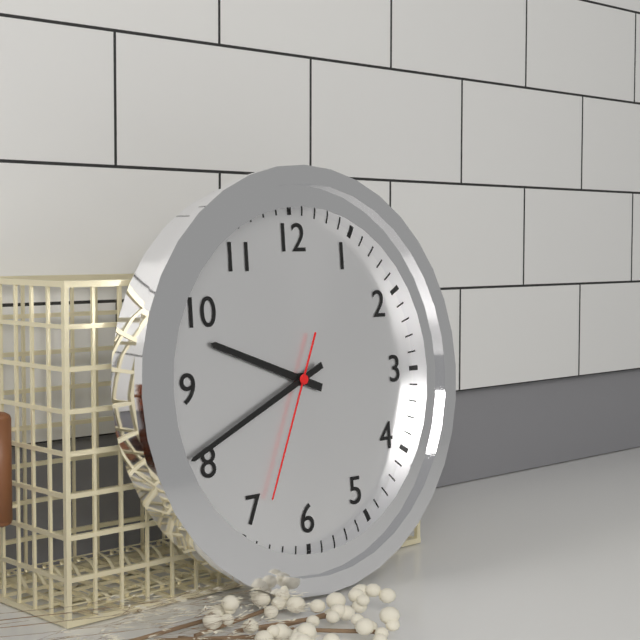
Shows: h=9 m=41 s=34
